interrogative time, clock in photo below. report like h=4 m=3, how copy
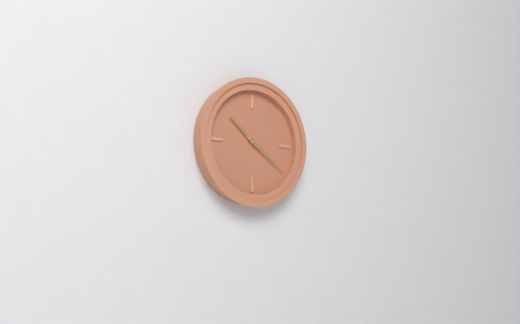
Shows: h=10 m=21
